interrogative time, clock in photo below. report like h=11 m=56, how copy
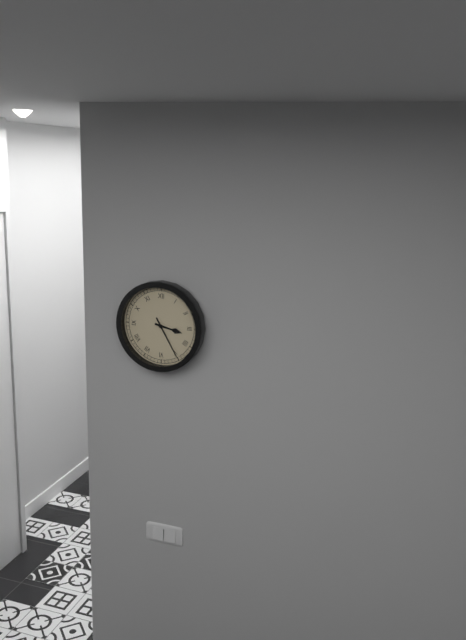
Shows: h=3 m=25
